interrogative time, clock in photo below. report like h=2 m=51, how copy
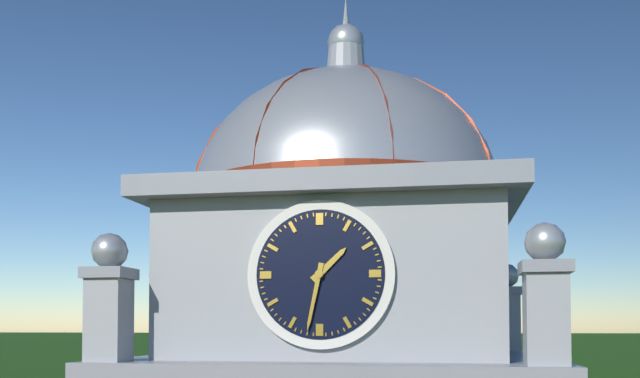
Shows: h=1 m=32
